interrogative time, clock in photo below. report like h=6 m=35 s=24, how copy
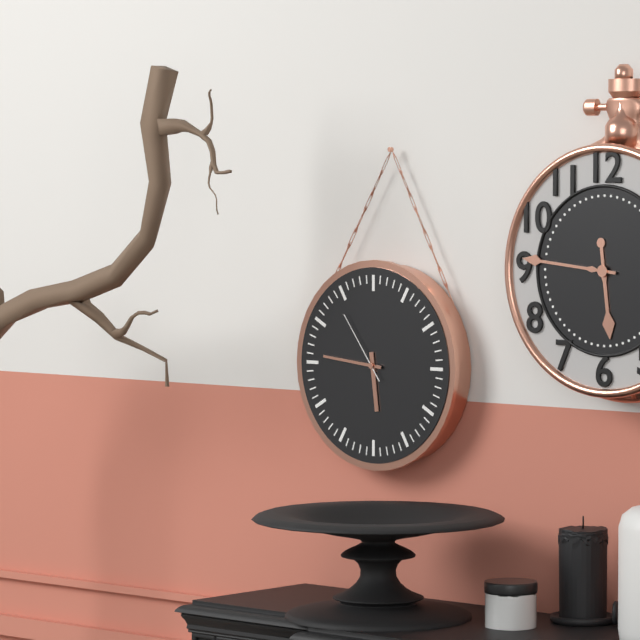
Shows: h=5 m=46 s=54
